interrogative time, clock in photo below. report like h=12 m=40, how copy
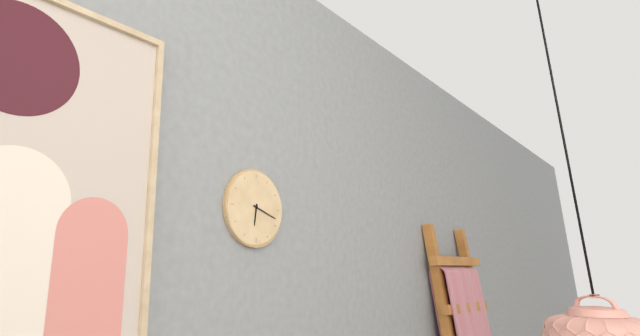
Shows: h=6 m=18
